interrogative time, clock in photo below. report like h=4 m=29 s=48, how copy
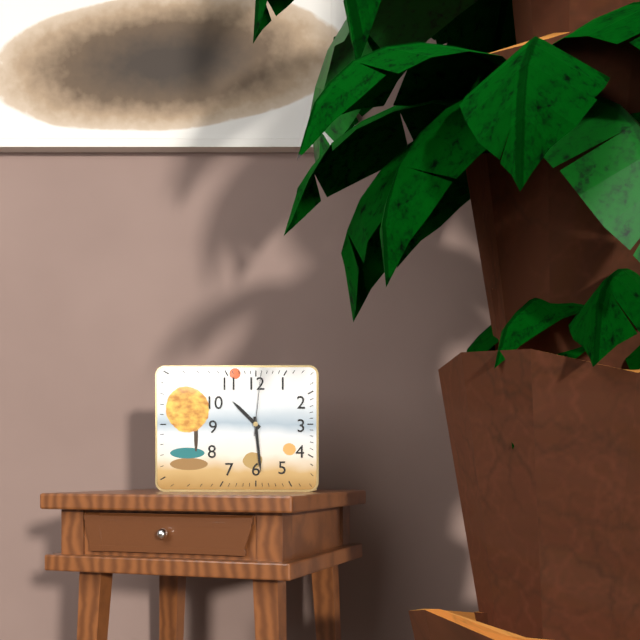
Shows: h=10 m=29 s=1
